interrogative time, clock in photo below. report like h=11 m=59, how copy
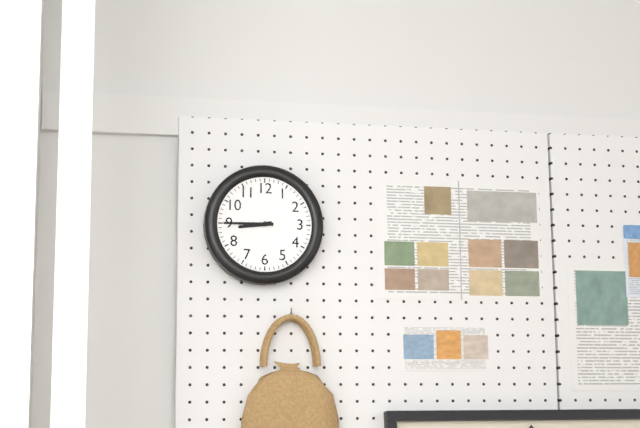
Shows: h=8 m=45
